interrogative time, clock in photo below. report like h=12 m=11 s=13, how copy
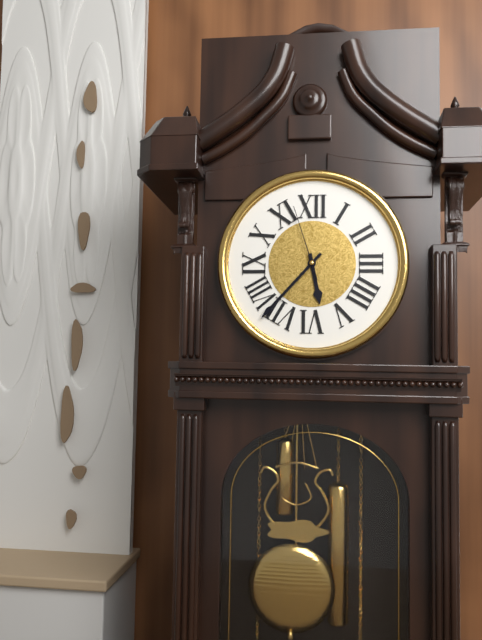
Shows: h=5 m=37 s=57
